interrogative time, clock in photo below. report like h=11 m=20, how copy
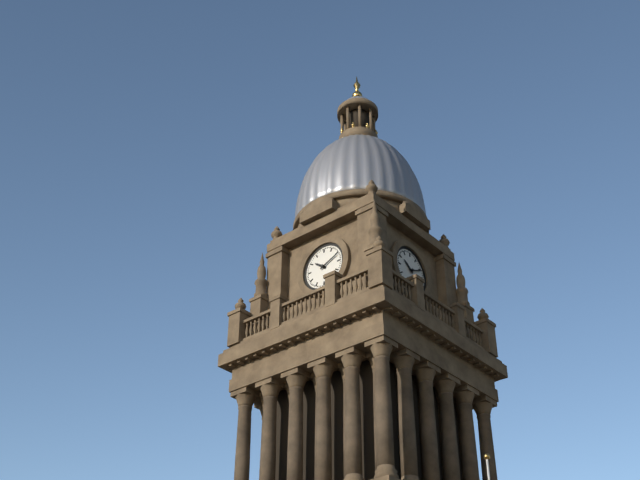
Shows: h=10 m=11
